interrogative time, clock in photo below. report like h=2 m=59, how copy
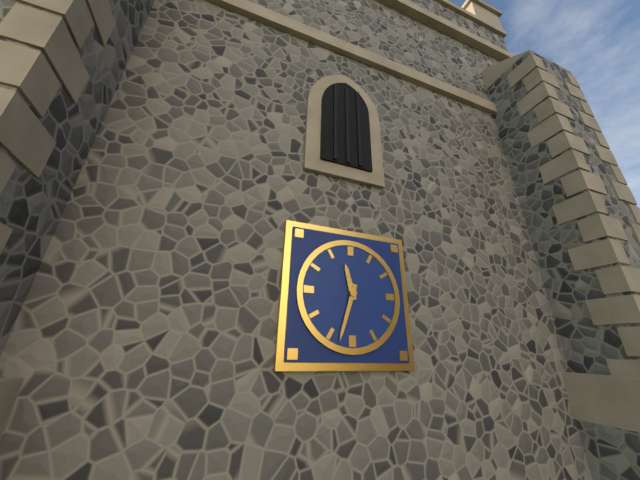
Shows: h=11 m=33
